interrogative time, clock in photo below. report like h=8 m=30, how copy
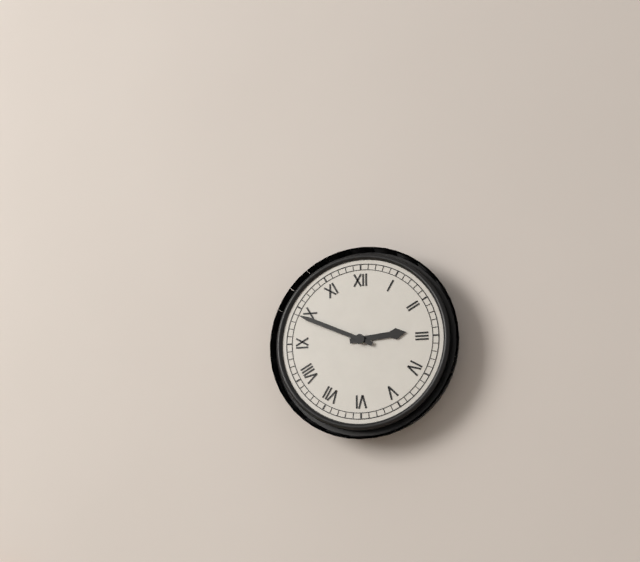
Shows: h=2 m=49
